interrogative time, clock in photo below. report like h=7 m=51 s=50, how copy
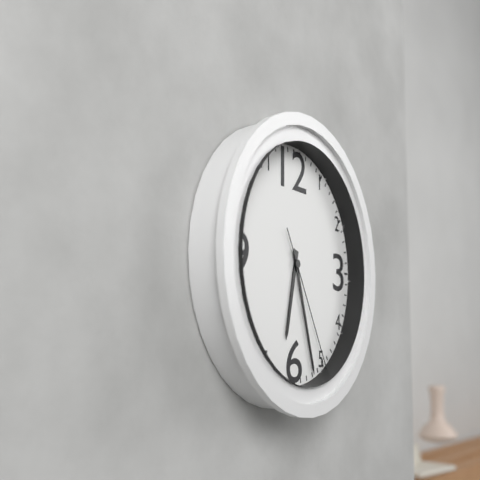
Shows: h=6 m=27 s=25
